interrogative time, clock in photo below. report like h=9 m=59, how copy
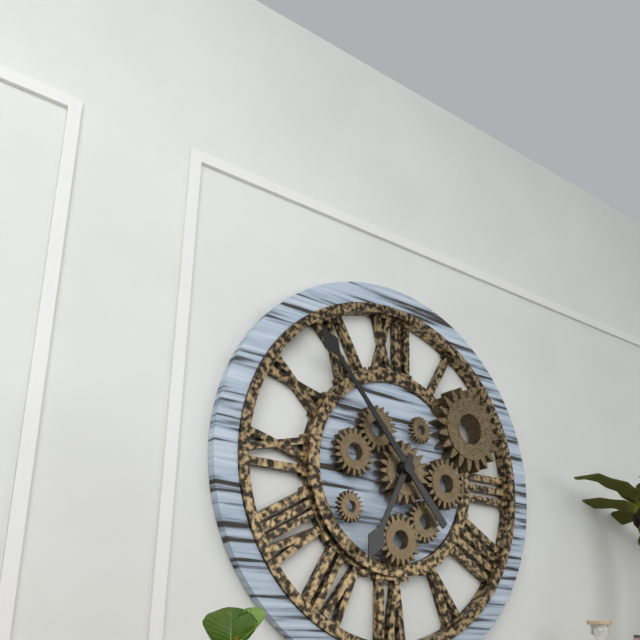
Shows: h=6 m=53
